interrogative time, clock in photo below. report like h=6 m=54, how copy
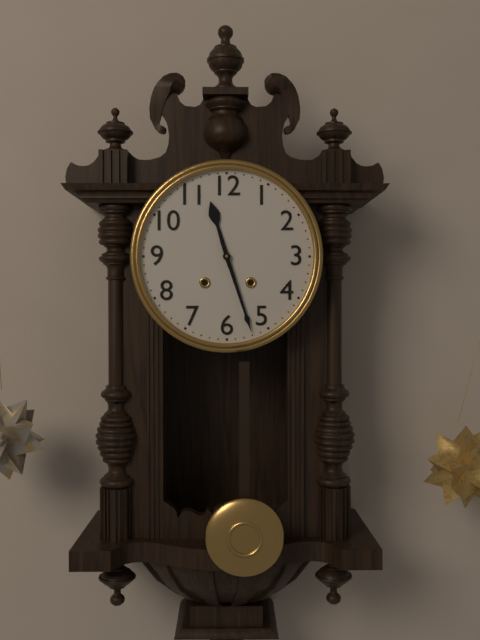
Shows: h=11 m=27
